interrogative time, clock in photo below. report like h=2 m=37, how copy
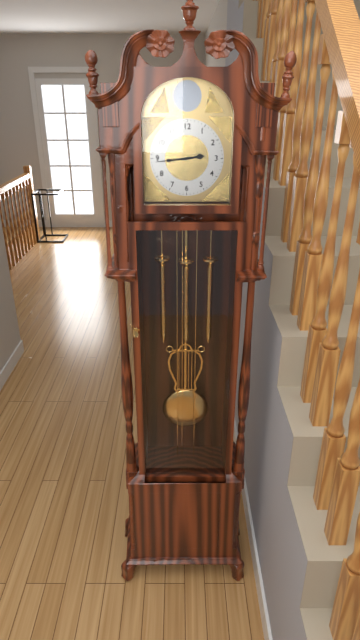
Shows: h=2 m=44
